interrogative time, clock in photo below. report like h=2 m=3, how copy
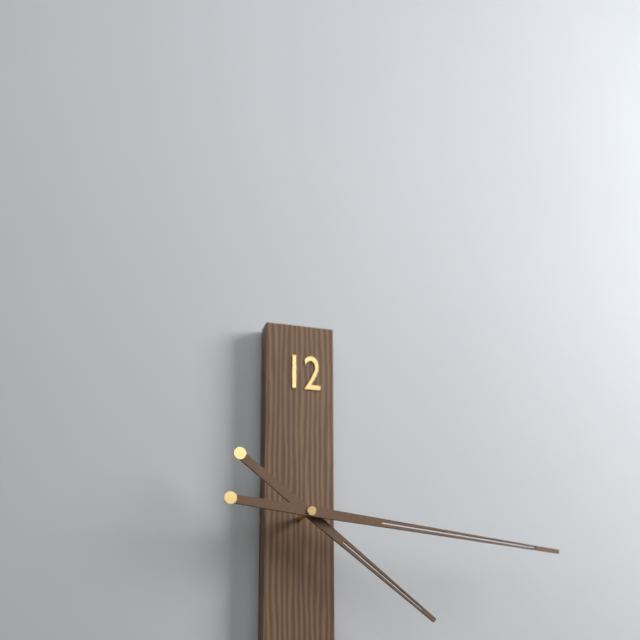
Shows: h=4 m=16
